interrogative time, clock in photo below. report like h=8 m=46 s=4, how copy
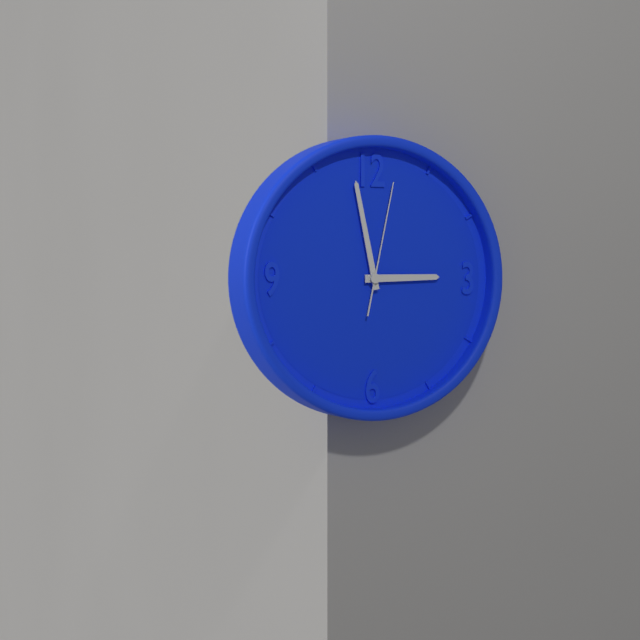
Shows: h=2 m=58 s=2
